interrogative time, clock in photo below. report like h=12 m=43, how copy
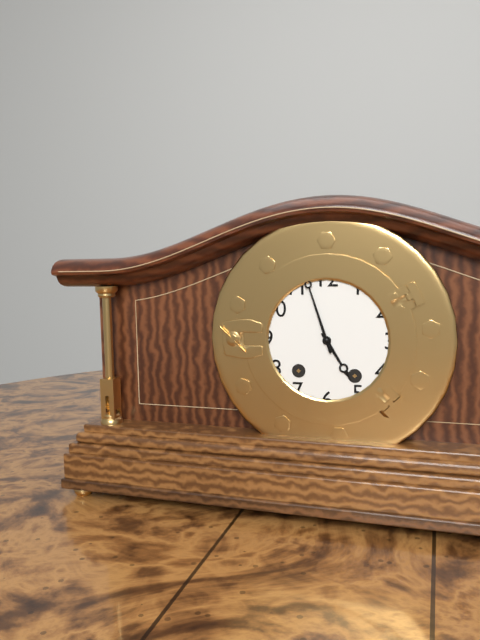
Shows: h=4 m=57
